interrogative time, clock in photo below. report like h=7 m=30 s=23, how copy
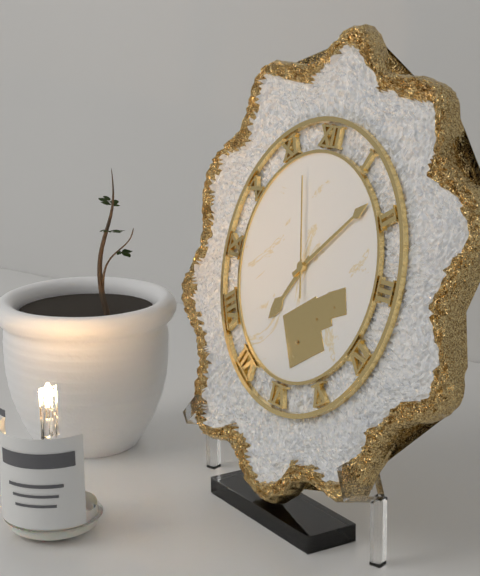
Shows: h=7 m=8 s=57
